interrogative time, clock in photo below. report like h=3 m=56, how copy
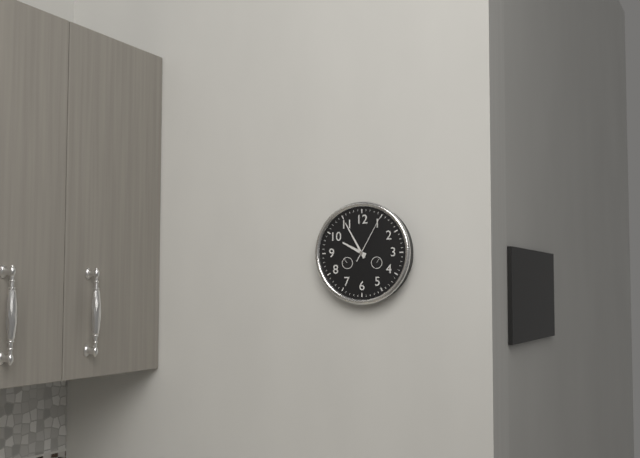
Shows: h=9 m=55
